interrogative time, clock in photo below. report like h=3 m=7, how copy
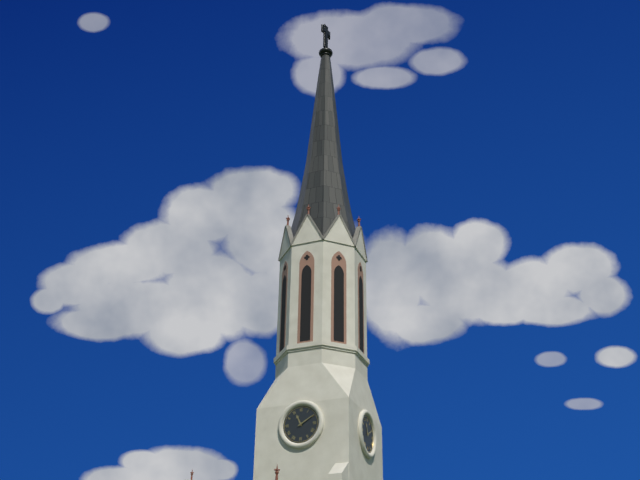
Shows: h=11 m=10
